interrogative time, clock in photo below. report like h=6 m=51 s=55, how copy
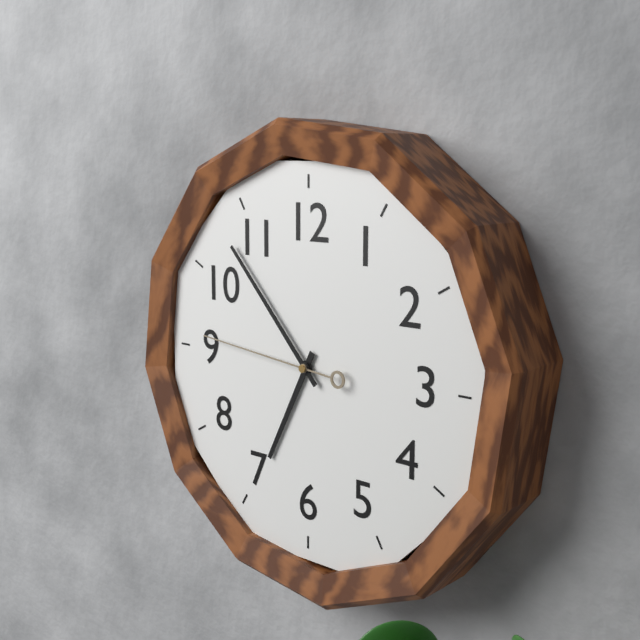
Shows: h=6 m=53 s=46
